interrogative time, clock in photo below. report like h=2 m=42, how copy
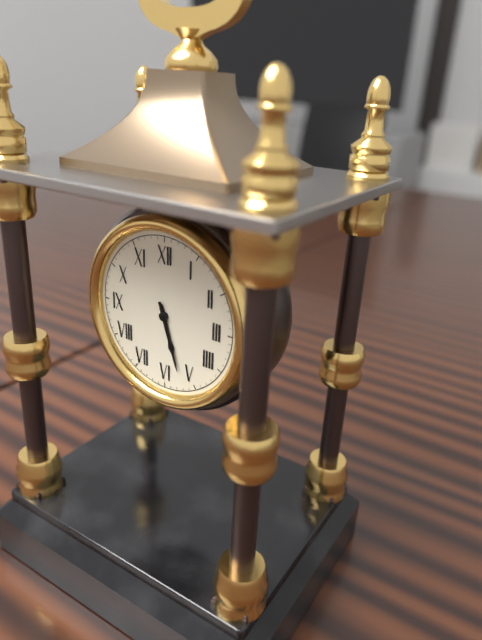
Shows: h=5 m=27
